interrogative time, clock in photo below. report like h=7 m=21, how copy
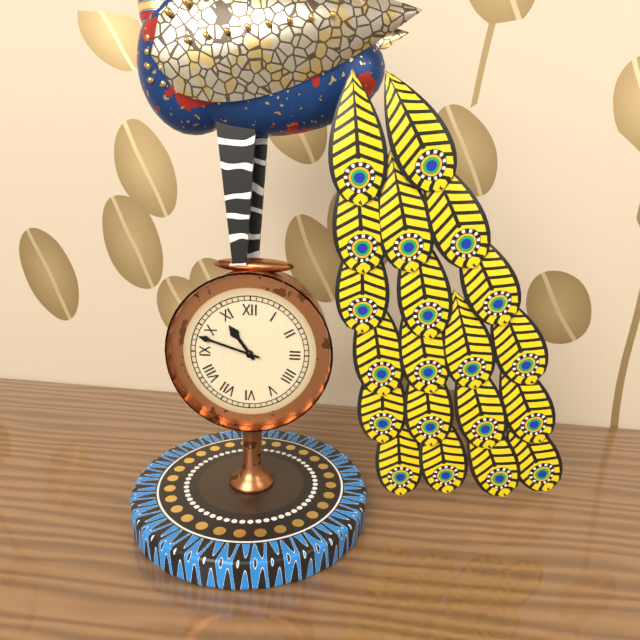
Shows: h=10 m=48
